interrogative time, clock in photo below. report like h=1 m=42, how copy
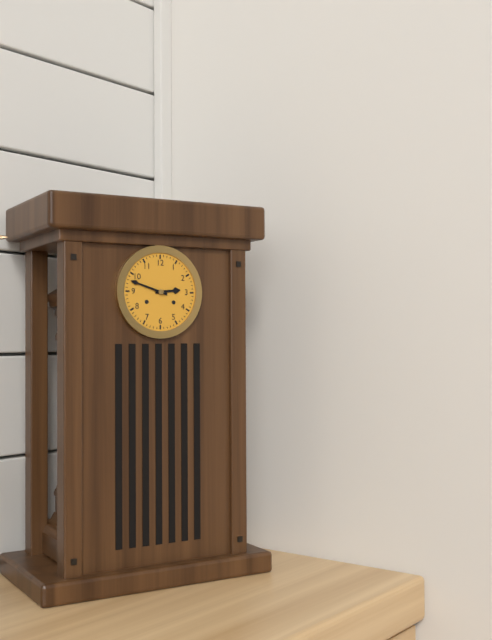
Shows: h=2 m=48
